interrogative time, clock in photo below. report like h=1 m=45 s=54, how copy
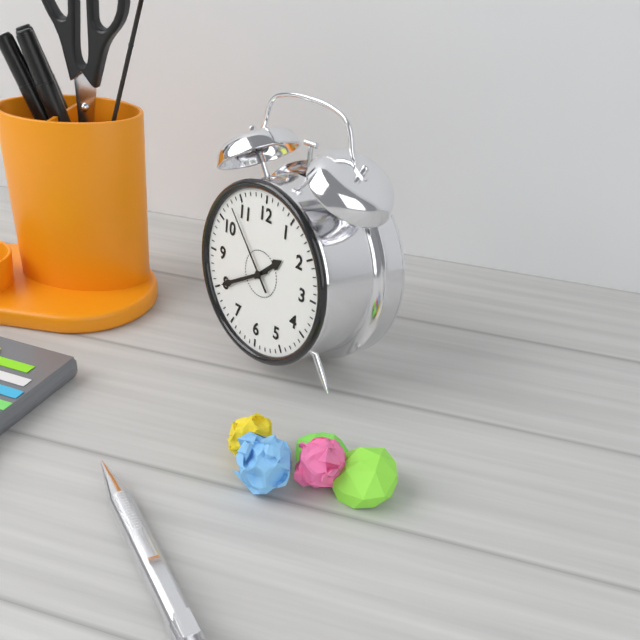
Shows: h=1 m=40 s=53
